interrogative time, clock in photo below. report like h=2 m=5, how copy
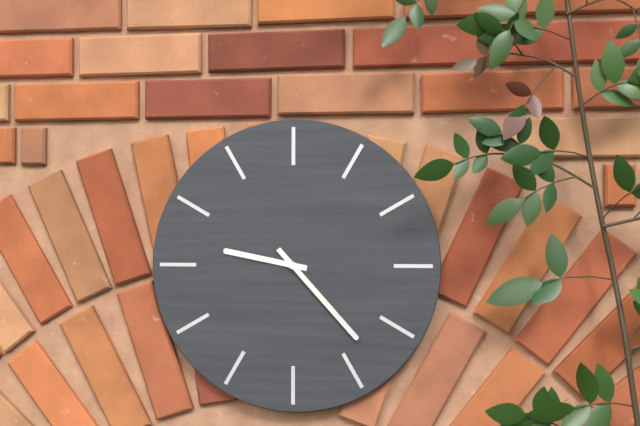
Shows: h=9 m=23
